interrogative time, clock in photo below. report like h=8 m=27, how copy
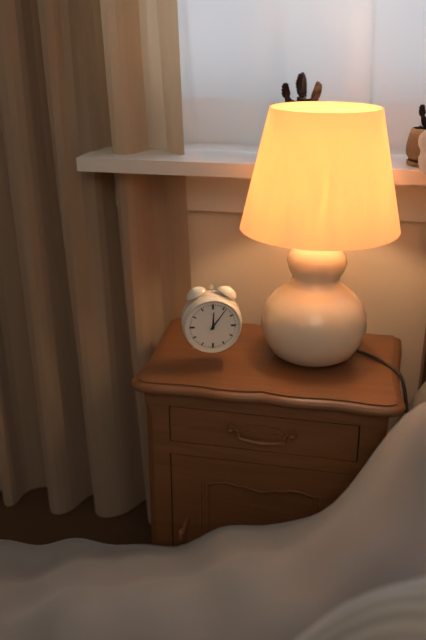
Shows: h=12 m=6
